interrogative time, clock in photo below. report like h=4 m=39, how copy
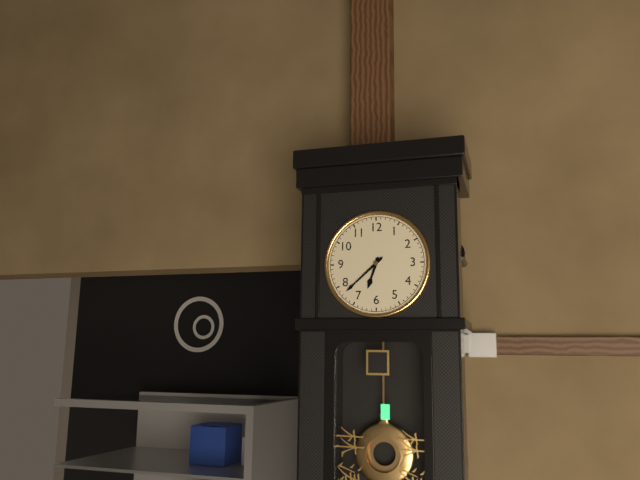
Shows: h=6 m=38
